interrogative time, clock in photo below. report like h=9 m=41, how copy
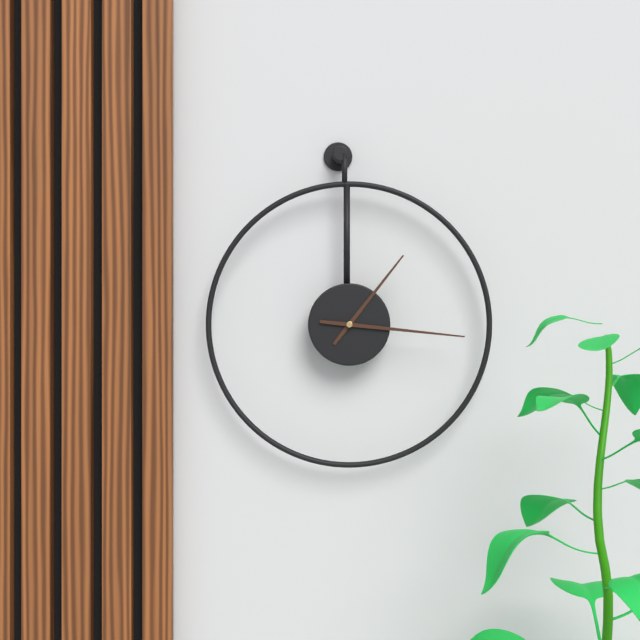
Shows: h=1 m=16
